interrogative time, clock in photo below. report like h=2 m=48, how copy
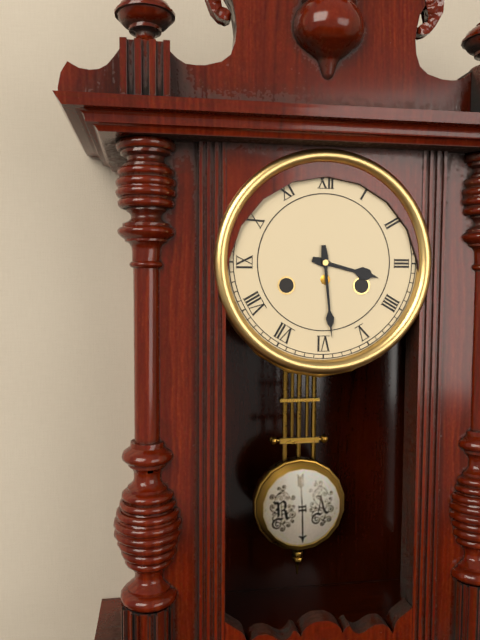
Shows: h=3 m=29
